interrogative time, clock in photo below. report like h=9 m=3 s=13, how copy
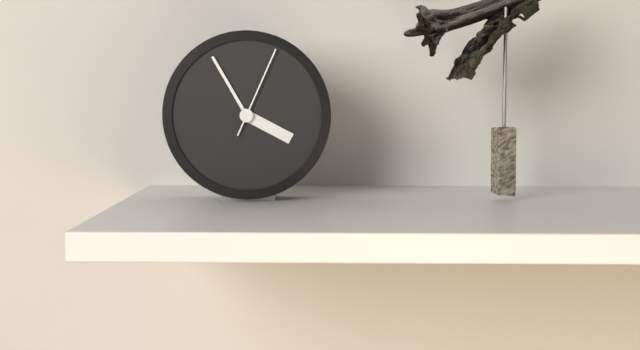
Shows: h=3 m=55 s=4
